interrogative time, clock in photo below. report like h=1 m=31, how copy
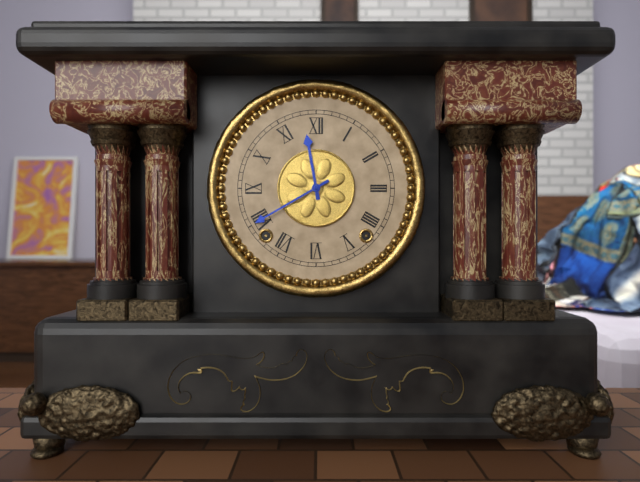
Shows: h=11 m=40
